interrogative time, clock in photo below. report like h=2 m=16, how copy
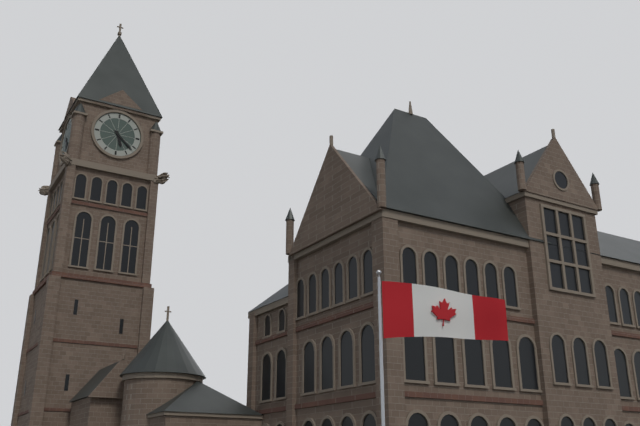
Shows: h=5 m=22
